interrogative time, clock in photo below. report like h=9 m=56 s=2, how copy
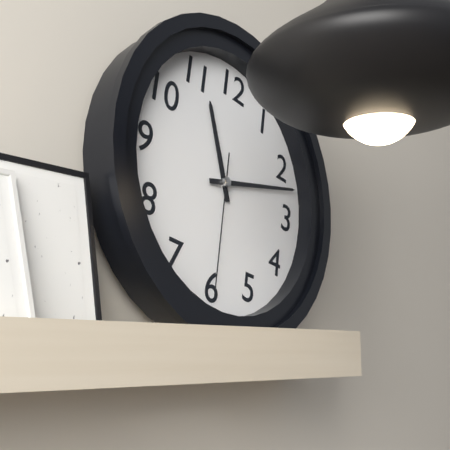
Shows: h=11 m=12 s=30
